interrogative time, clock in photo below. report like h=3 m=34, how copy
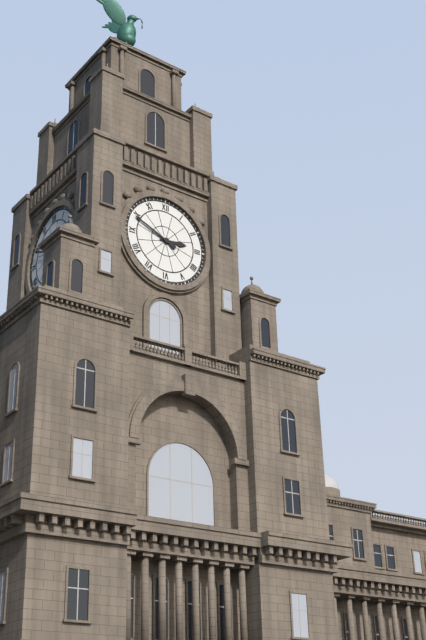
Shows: h=2 m=49
